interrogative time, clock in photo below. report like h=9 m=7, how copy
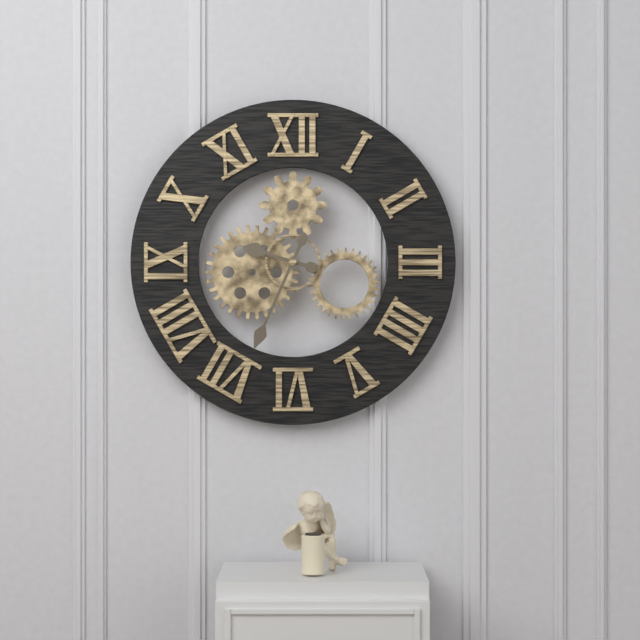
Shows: h=9 m=34
